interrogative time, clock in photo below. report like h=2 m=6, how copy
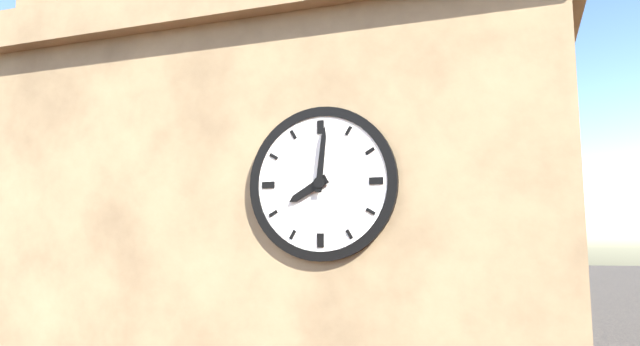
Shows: h=8 m=1
